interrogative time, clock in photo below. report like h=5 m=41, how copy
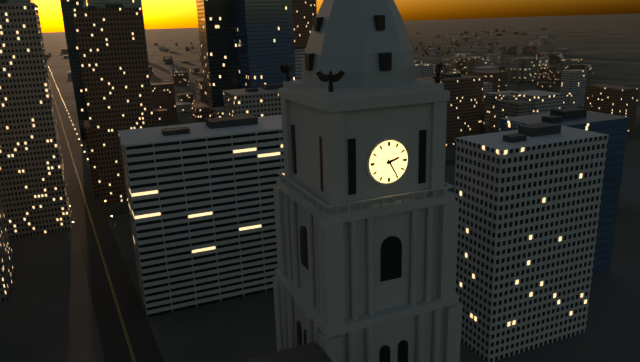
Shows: h=2 m=25
